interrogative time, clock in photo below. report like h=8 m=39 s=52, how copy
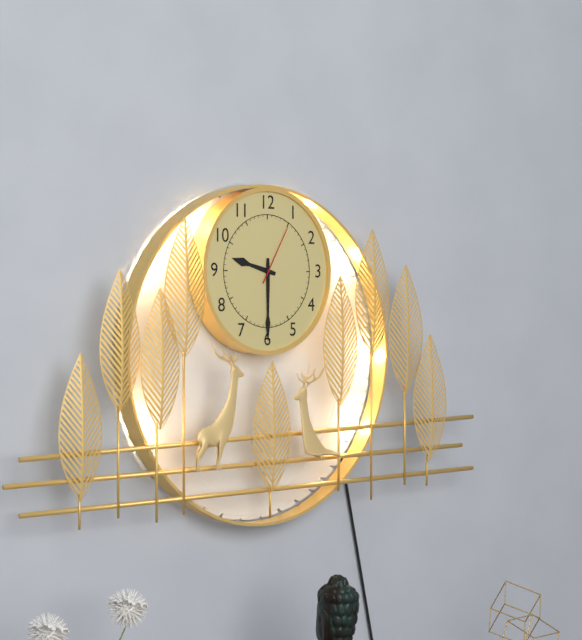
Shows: h=9 m=30 s=5
